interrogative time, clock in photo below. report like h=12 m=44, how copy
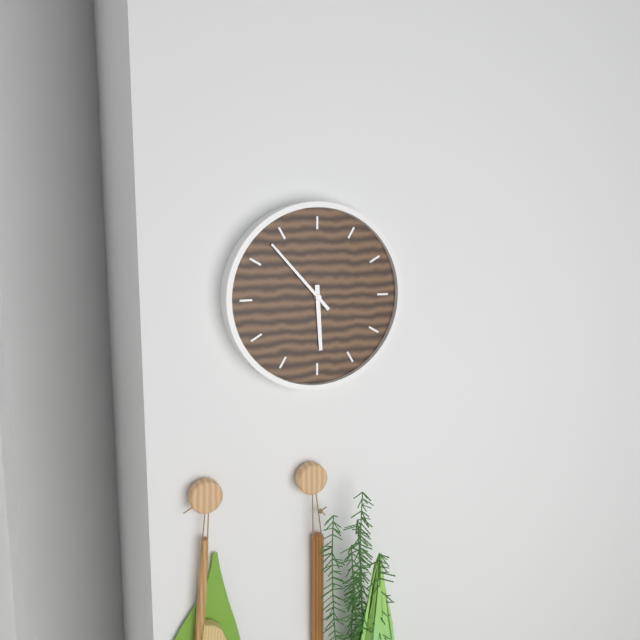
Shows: h=5 m=53
